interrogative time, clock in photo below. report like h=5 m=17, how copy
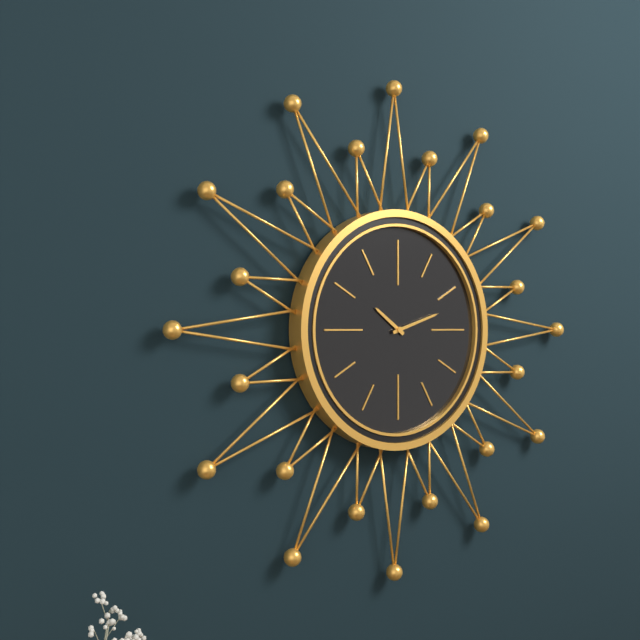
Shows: h=10 m=12
